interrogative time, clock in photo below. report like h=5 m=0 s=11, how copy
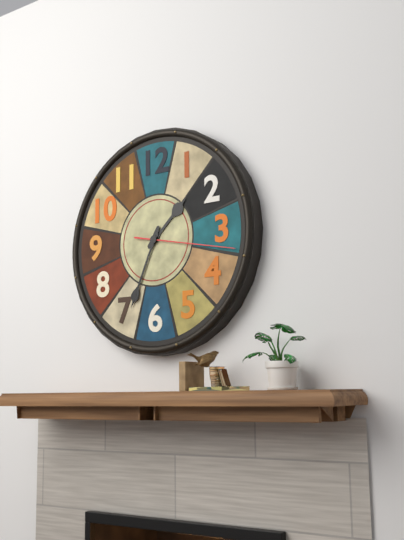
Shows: h=1 m=34 s=17
